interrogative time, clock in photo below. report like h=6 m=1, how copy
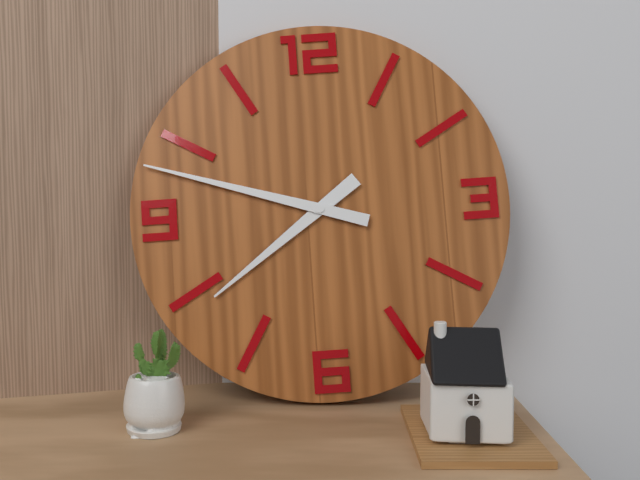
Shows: h=7 m=48
